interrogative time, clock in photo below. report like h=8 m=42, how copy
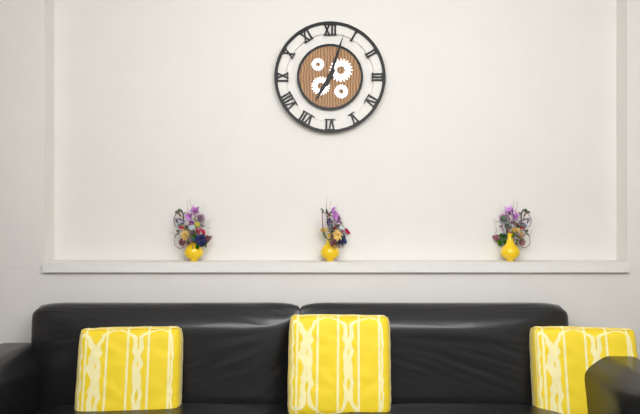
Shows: h=7 m=3
